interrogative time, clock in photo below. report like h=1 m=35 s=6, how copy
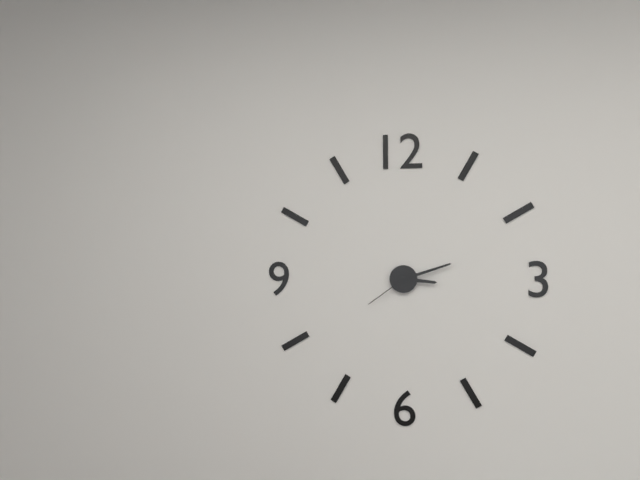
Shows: h=3 m=12 s=39
